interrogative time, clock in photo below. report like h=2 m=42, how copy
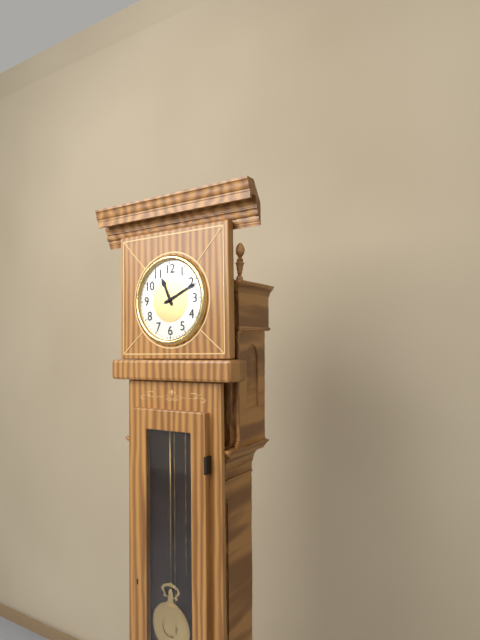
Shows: h=11 m=11
